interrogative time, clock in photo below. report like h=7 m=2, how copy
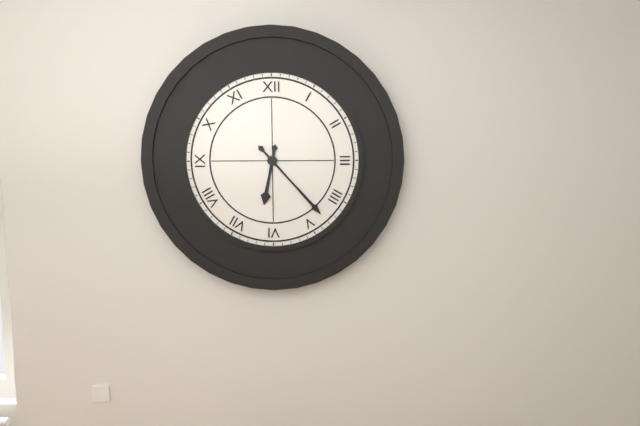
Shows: h=6 m=23
